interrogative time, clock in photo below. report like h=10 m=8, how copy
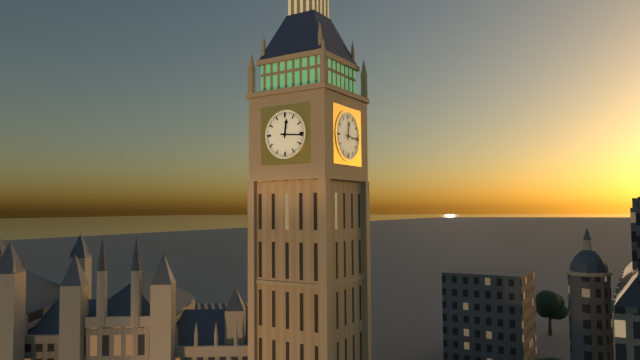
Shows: h=12 m=16
